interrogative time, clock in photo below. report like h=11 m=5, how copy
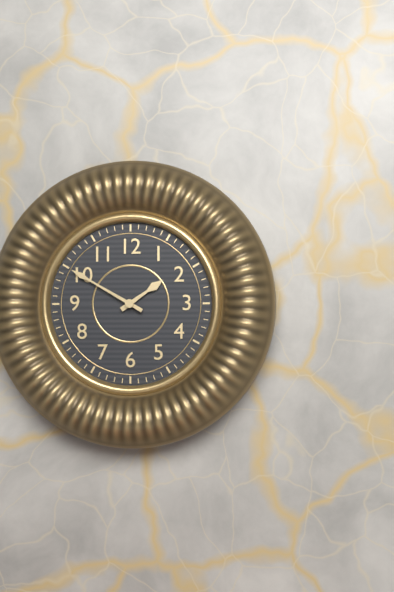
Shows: h=1 m=50
